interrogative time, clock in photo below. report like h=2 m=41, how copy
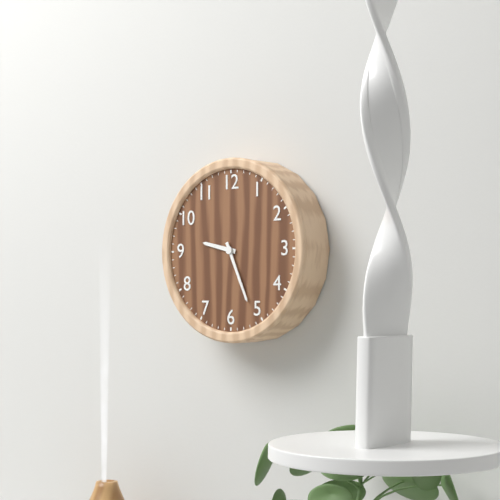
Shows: h=9 m=26
